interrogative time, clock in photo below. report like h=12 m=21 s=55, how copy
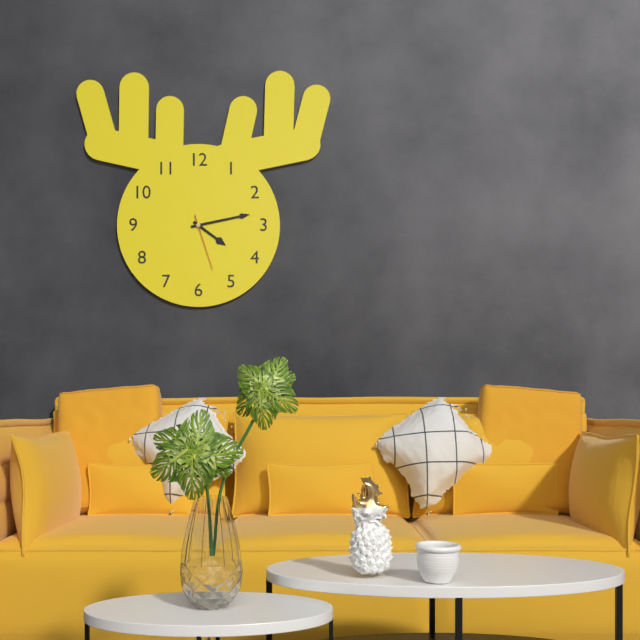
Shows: h=4 m=13 s=27
